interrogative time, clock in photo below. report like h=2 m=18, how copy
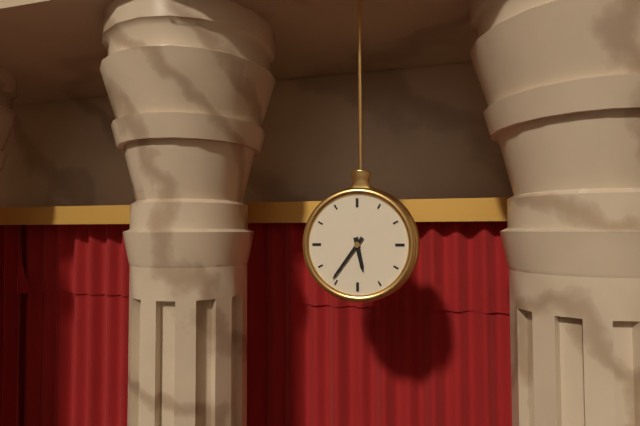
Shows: h=5 m=36
